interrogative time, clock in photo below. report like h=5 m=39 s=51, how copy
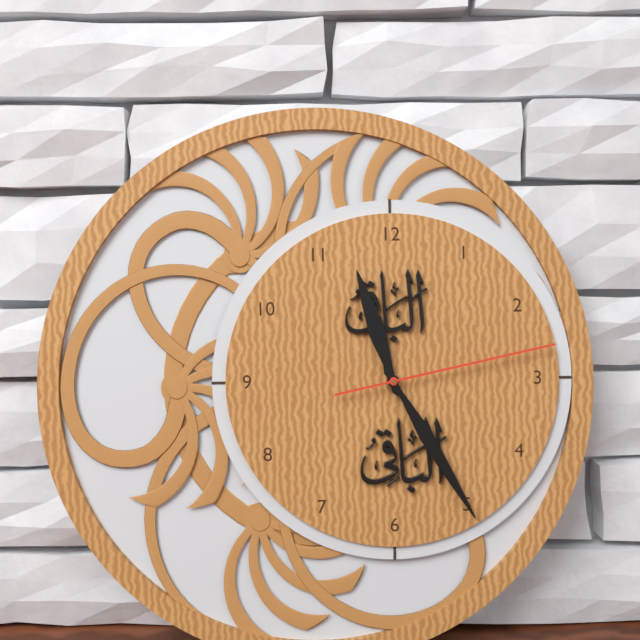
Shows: h=11 m=25 s=13
